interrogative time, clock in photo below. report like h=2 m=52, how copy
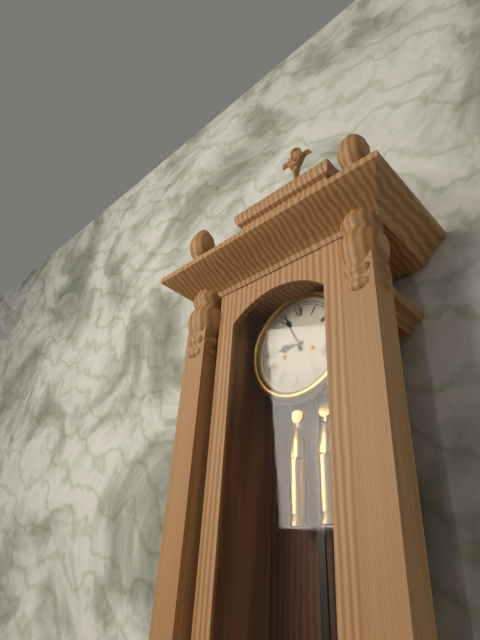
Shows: h=8 m=56
